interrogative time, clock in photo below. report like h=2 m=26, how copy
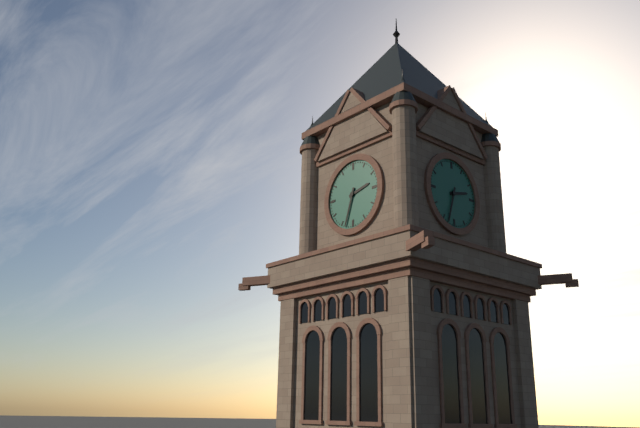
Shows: h=2 m=33
